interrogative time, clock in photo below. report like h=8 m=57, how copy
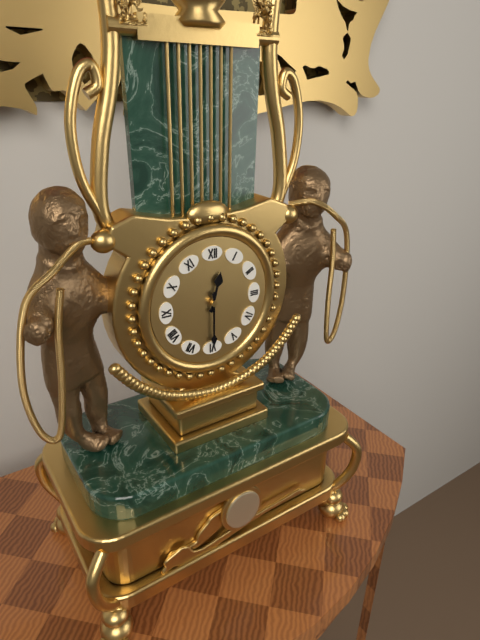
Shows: h=12 m=30
